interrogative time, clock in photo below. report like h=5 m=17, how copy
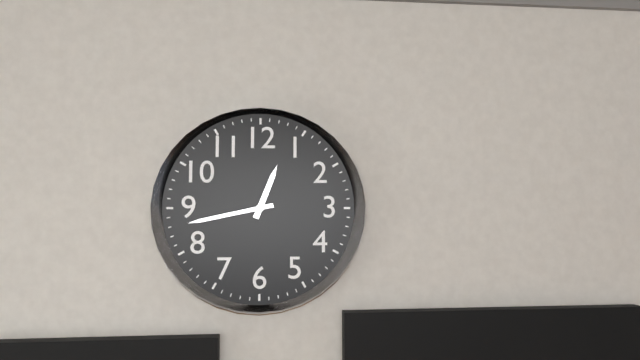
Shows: h=12 m=43
